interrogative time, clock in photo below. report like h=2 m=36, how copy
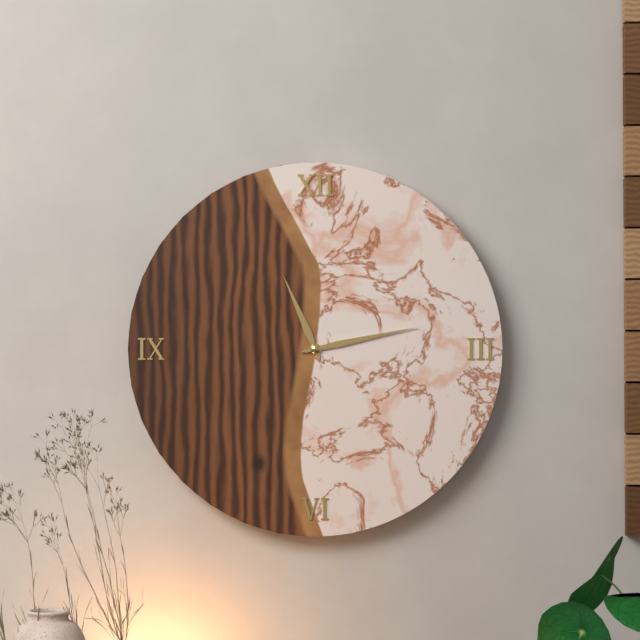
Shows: h=11 m=13
